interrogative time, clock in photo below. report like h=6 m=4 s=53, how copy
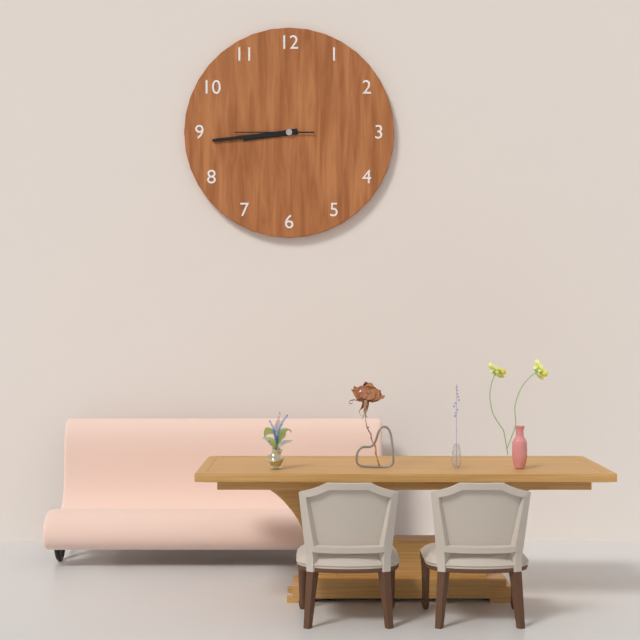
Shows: h=8 m=44 s=45
